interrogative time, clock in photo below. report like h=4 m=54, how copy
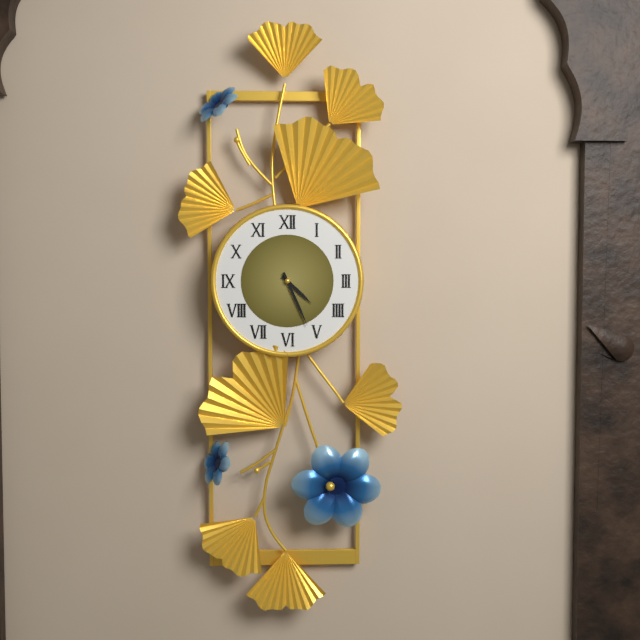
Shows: h=4 m=26
